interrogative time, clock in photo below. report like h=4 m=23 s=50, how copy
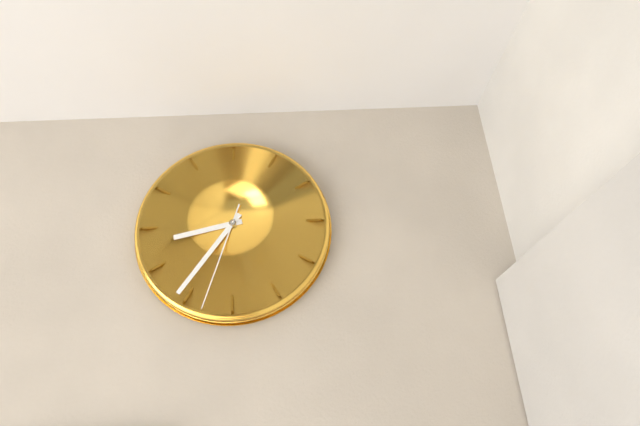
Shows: h=8 m=36 s=33
